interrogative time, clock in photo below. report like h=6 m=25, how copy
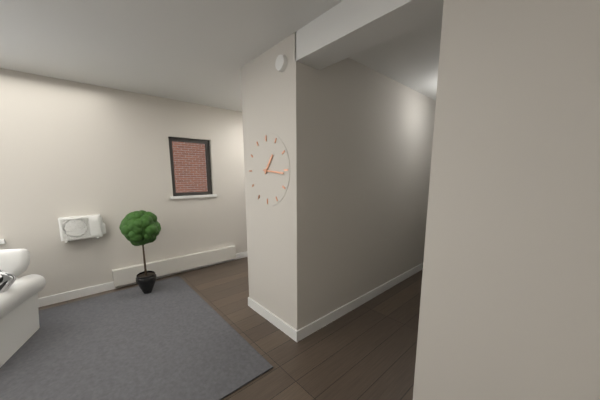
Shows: h=1 m=16
